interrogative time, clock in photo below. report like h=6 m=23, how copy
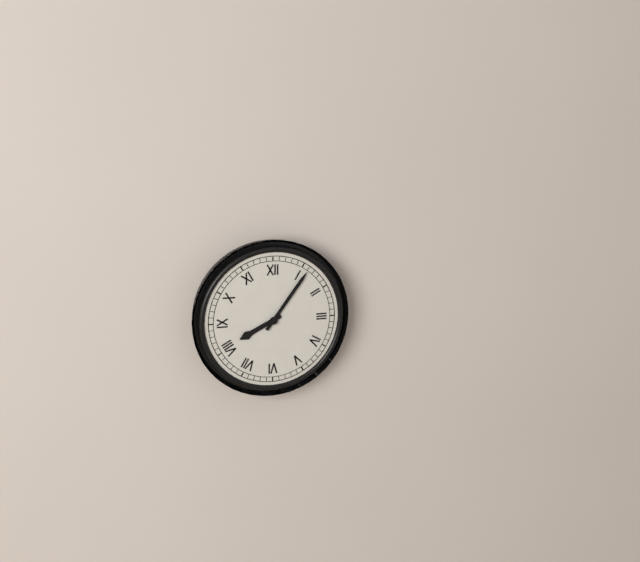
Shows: h=8 m=6
